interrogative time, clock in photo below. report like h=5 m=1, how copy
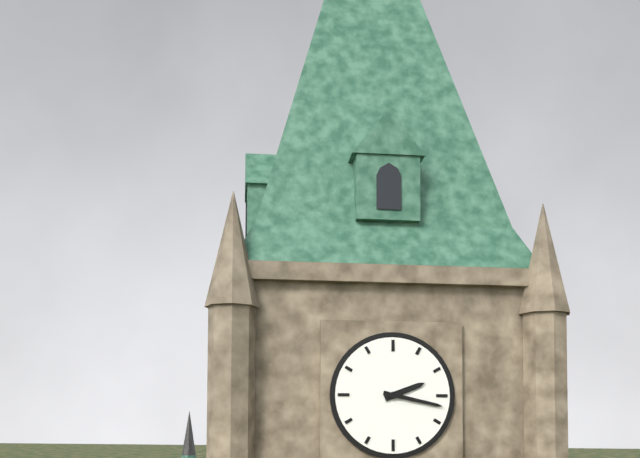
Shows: h=2 m=17
